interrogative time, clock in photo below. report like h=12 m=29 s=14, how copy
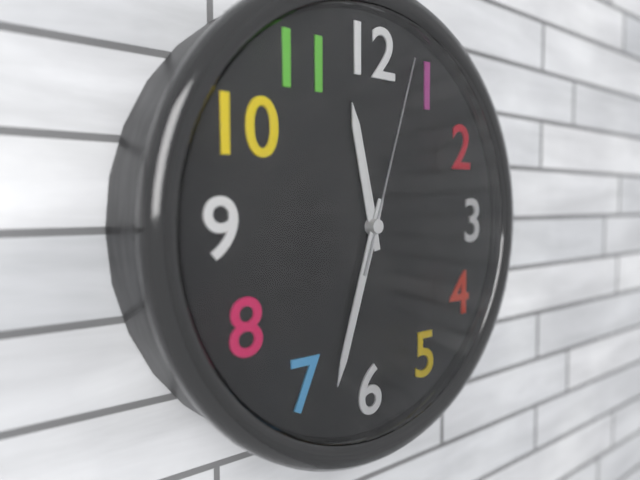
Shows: h=11 m=33 s=3
